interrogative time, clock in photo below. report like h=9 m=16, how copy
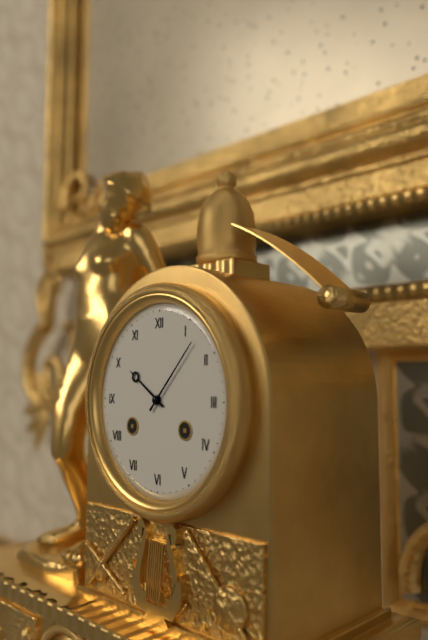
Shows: h=10 m=7
